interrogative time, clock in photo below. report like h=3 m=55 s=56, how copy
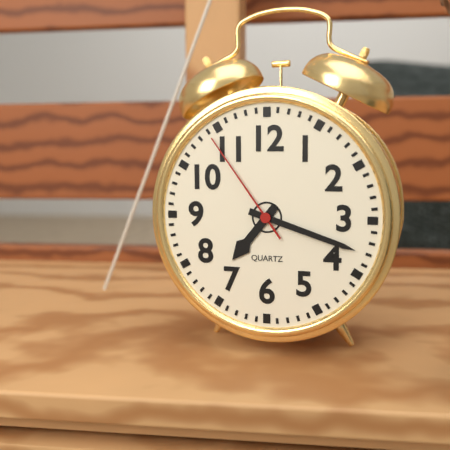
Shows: h=7 m=18 s=54
